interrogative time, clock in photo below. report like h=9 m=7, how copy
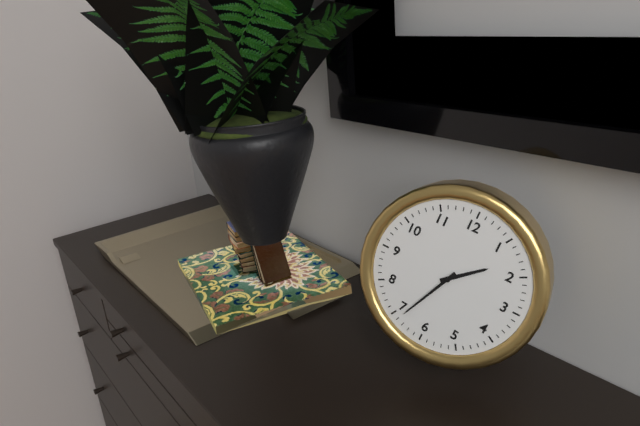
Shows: h=1 m=34
